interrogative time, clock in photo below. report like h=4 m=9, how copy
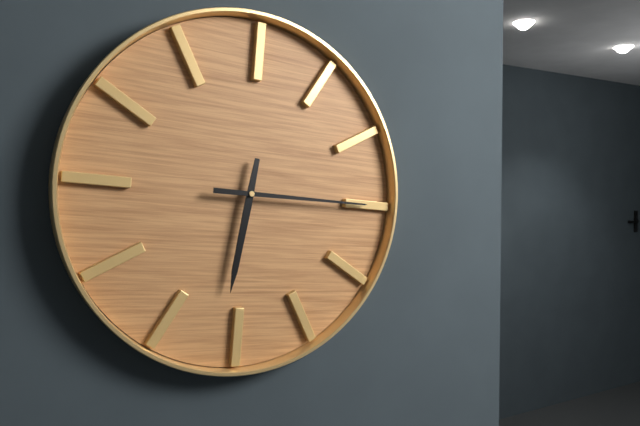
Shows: h=6 m=15
